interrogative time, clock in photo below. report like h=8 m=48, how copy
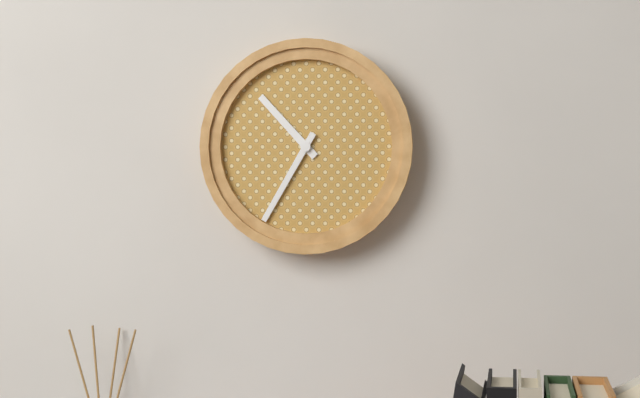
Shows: h=10 m=35
